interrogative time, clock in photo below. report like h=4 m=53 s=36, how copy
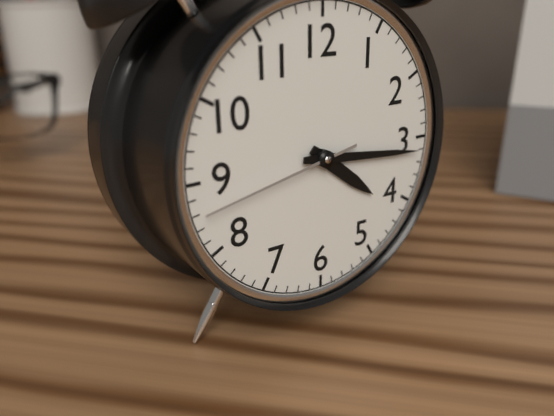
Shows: h=4 m=16 s=43
